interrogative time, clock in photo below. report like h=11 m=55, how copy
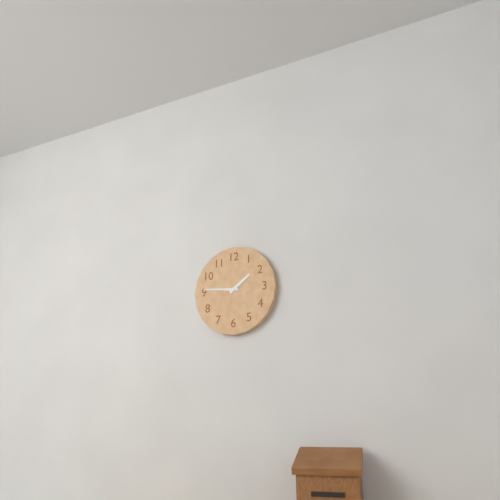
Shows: h=1 m=46
